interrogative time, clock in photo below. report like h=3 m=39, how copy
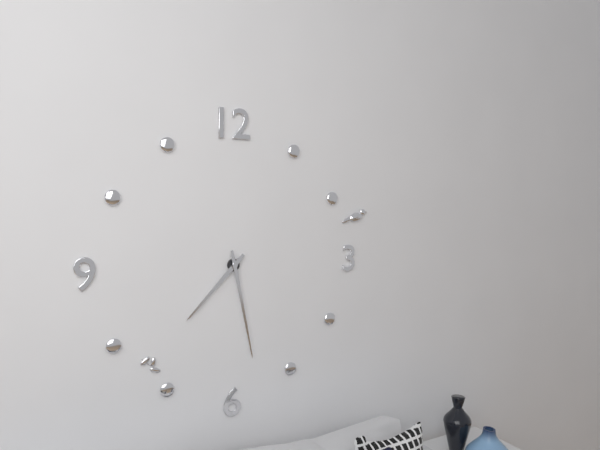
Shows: h=7 m=28
